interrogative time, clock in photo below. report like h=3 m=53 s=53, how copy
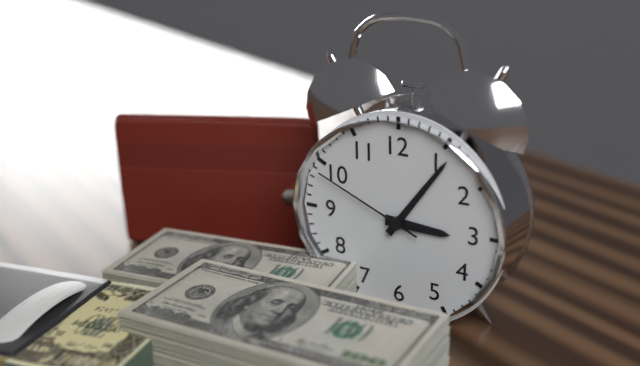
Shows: h=3 m=6 s=49
